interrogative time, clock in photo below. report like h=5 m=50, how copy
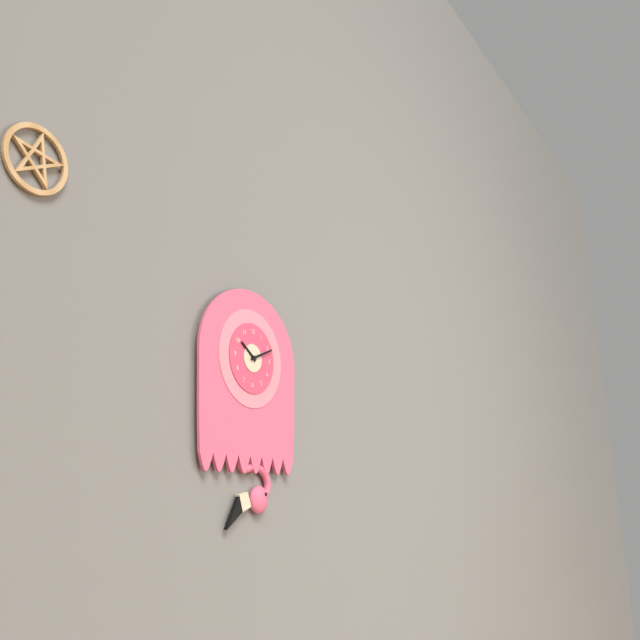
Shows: h=10 m=11
